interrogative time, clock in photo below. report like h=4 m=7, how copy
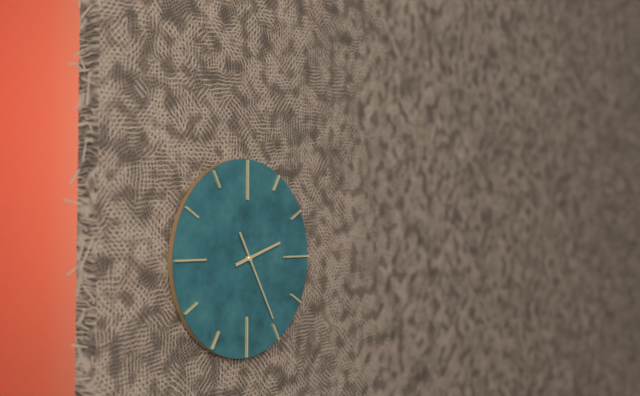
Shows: h=2 m=25
